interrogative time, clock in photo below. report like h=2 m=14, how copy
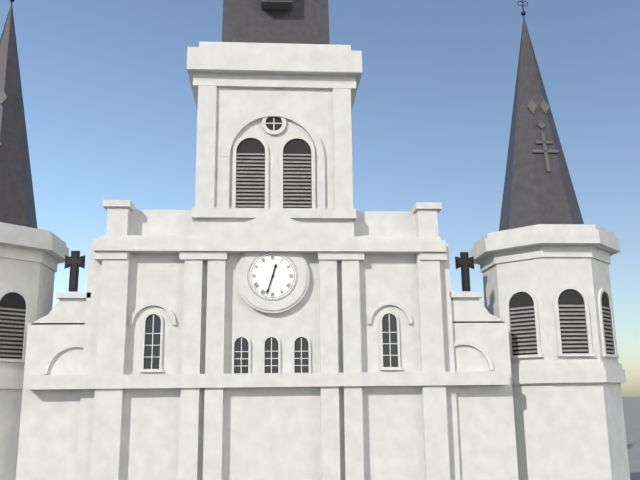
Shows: h=12 m=33
